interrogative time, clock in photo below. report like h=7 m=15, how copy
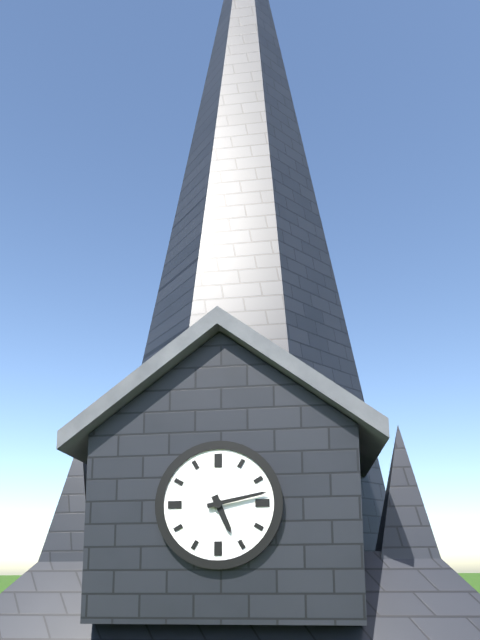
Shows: h=5 m=13
